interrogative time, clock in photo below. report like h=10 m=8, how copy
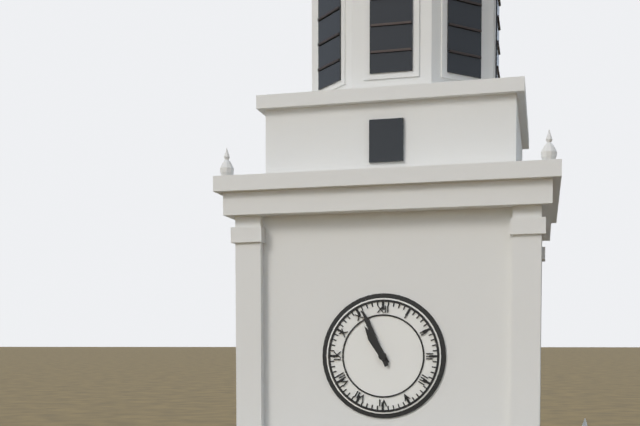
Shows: h=10 m=56
